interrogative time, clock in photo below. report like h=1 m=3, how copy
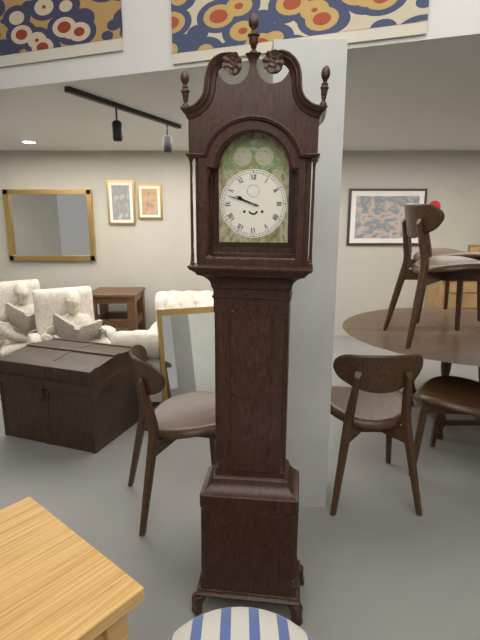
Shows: h=9 m=48
